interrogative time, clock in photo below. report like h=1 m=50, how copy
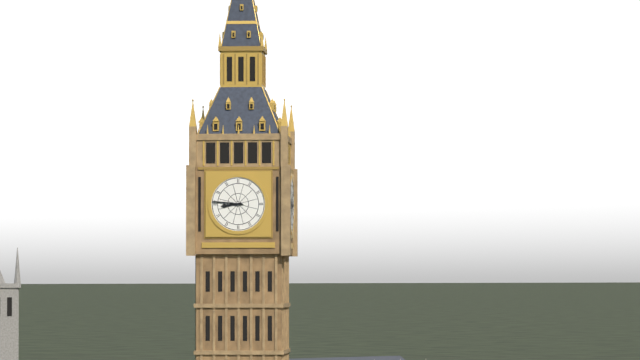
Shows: h=8 m=46
